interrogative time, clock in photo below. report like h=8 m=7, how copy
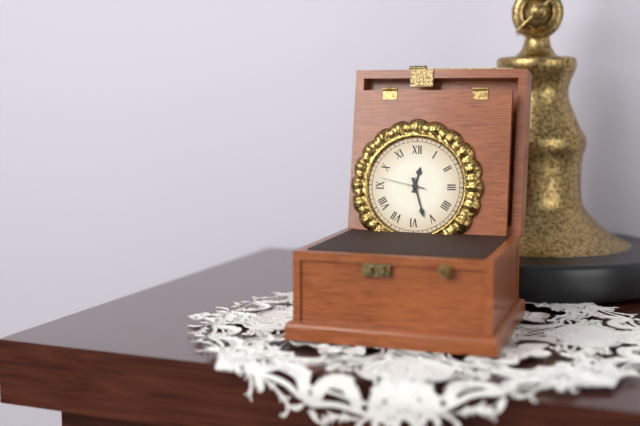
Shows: h=12 m=27
